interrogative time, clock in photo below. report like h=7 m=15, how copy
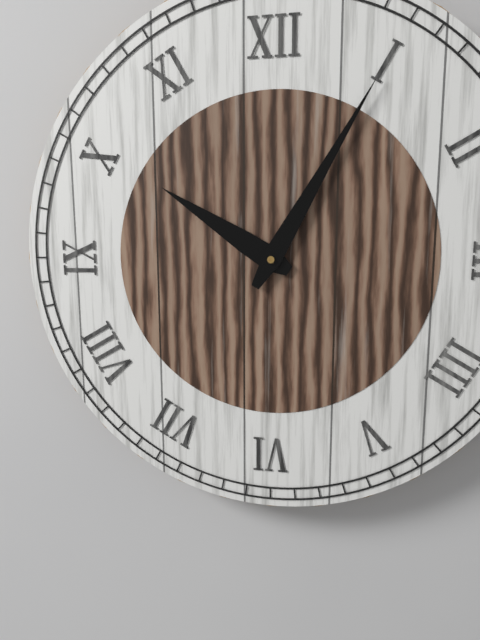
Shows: h=10 m=5
